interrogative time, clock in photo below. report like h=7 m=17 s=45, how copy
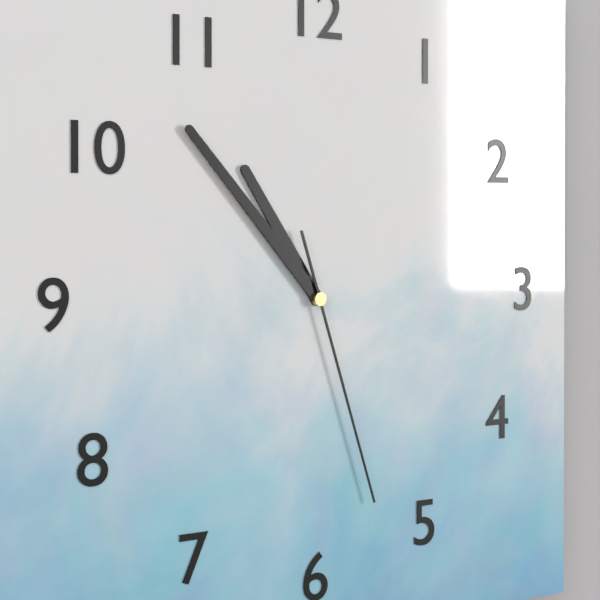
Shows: h=10 m=53 s=27
